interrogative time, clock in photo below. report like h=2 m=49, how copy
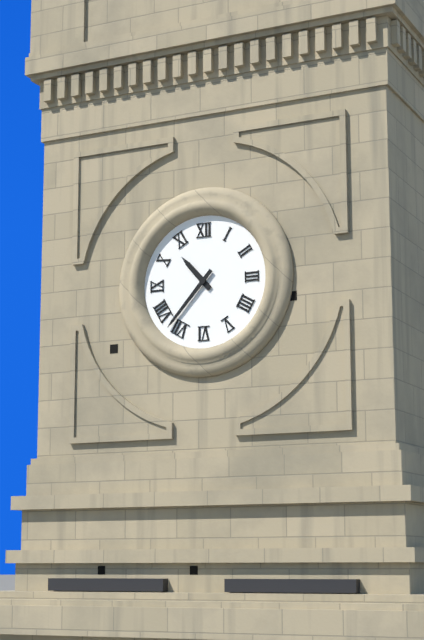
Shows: h=10 m=37
